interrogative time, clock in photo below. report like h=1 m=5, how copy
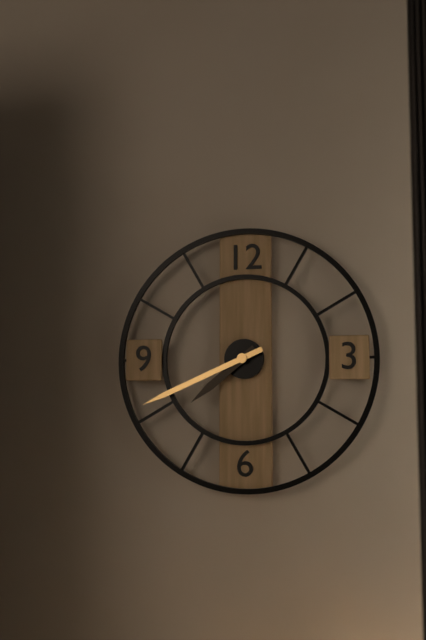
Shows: h=7 m=41
